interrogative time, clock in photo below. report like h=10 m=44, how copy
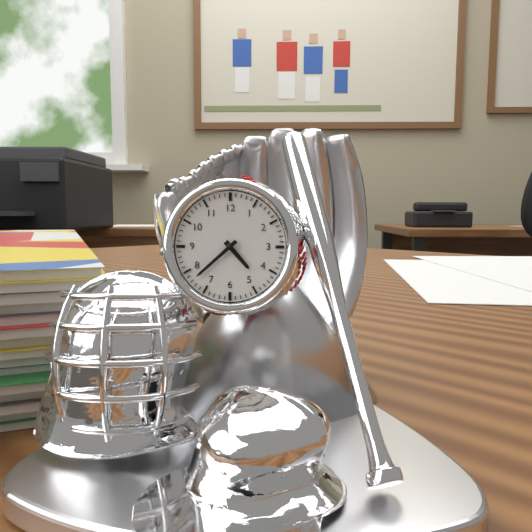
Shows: h=4 m=38
